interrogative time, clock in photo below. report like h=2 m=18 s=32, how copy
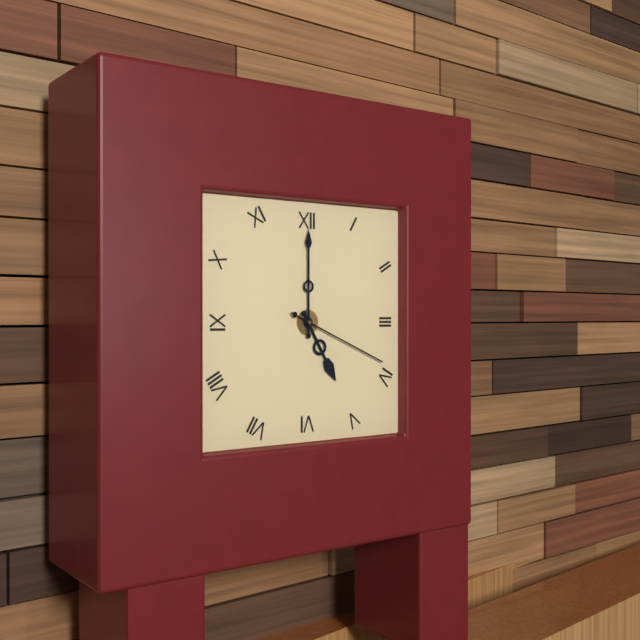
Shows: h=5 m=0 s=19
